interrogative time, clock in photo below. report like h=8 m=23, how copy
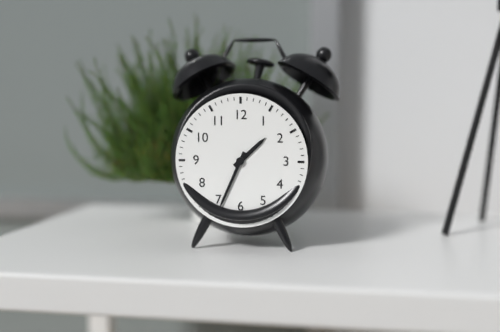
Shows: h=1 m=34
